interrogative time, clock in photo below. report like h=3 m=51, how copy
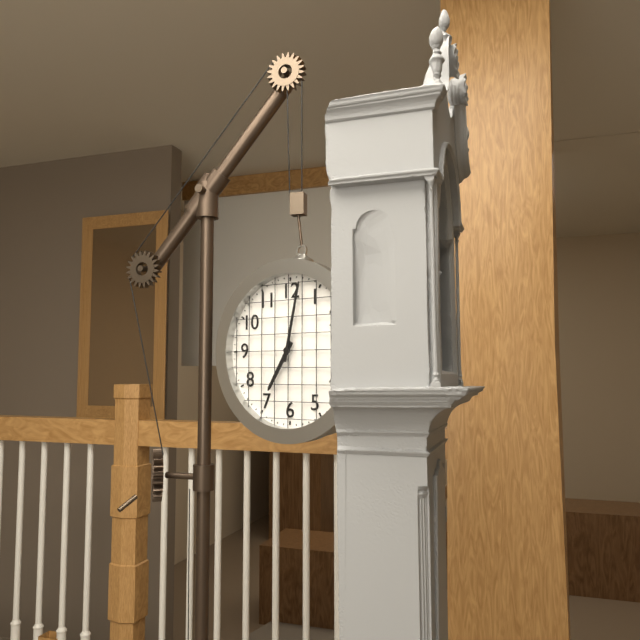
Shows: h=7 m=2
